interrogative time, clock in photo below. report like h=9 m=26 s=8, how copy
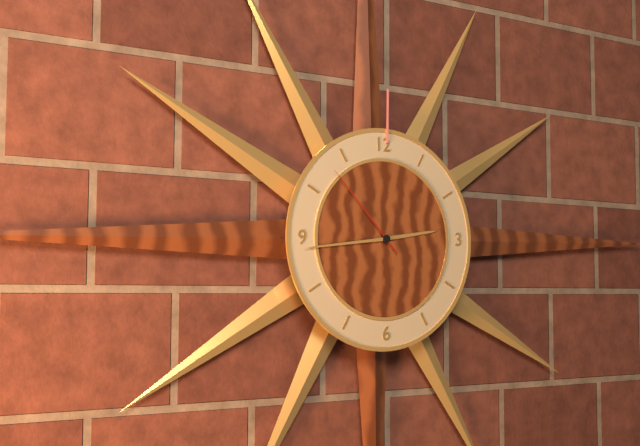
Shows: h=2 m=44 s=53
